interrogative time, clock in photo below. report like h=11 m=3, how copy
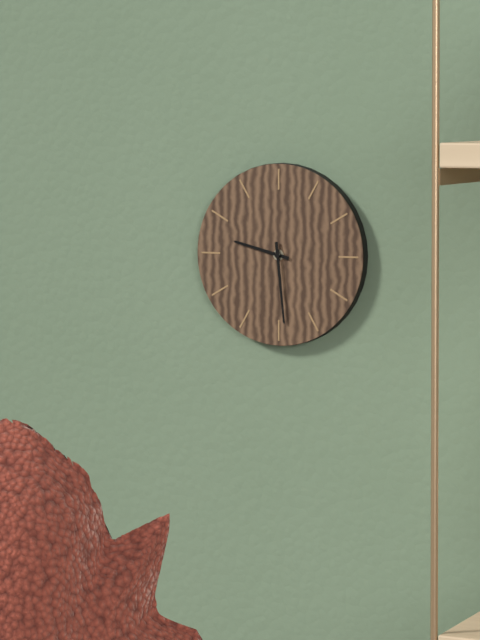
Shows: h=9 m=29
